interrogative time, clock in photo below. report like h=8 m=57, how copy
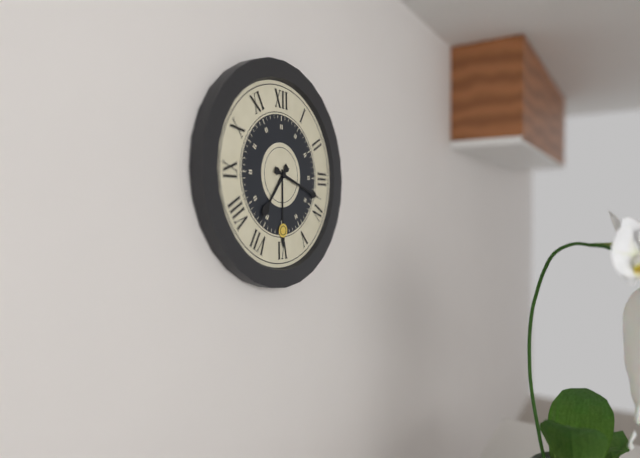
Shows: h=7 m=18
